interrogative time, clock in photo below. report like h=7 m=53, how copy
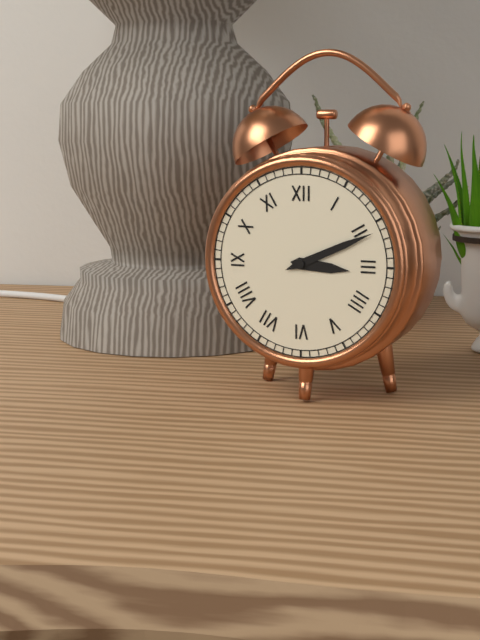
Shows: h=3 m=11
